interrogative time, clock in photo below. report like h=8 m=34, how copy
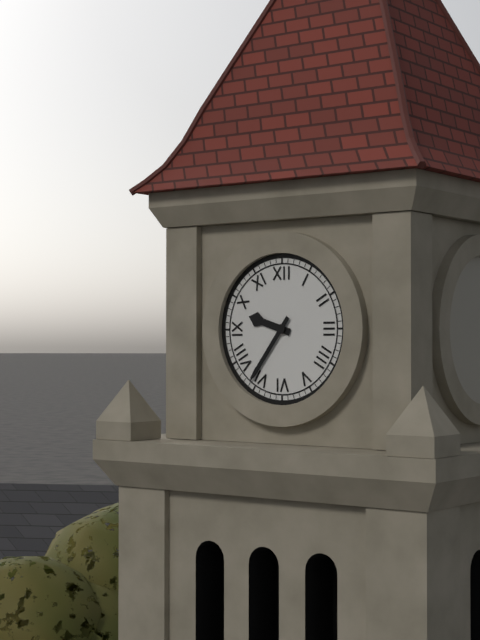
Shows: h=9 m=36
